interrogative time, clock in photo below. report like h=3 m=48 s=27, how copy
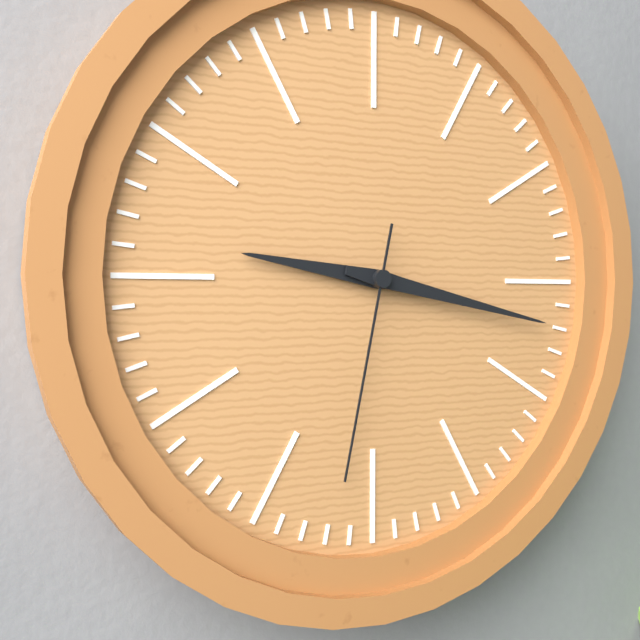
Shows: h=9 m=17 s=32
